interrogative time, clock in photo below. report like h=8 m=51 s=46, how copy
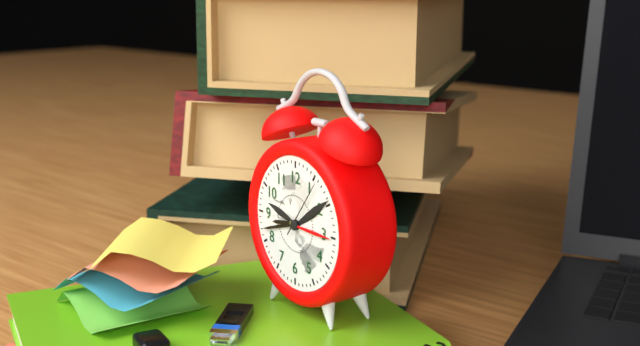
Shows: h=8 m=42 s=6
